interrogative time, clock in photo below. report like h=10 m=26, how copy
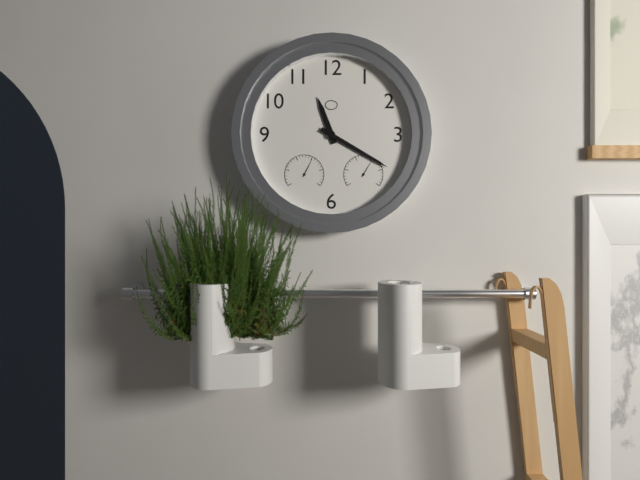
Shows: h=11 m=20
